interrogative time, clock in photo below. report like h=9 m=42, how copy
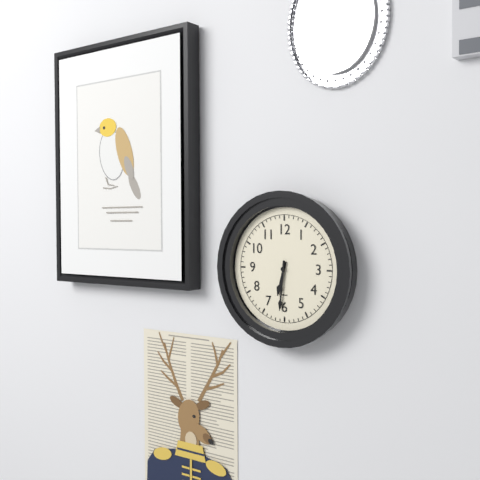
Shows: h=6 m=31
